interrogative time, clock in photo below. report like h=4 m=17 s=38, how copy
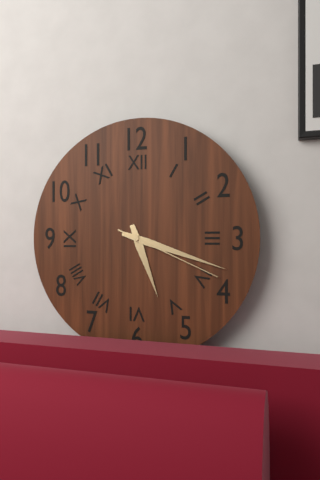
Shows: h=5 m=18 s=19
